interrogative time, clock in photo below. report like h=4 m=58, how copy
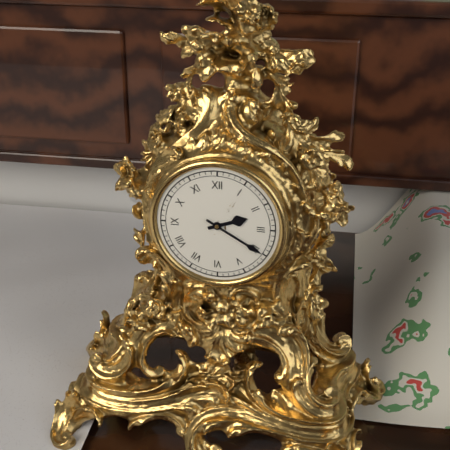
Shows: h=2 m=20
